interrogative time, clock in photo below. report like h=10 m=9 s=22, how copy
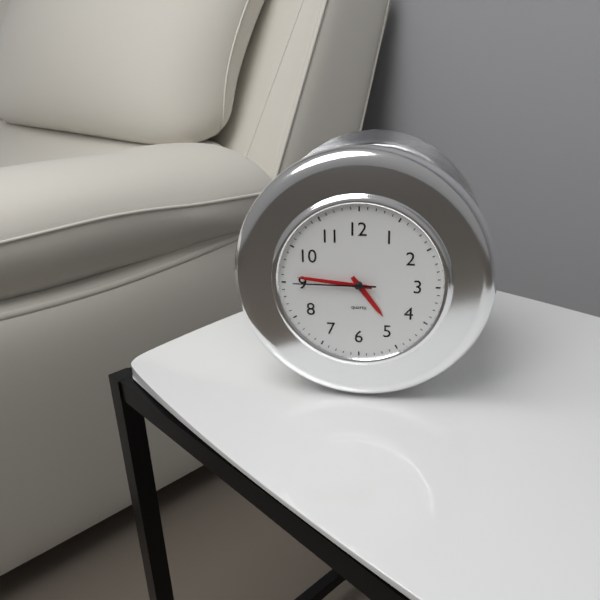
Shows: h=4 m=46 s=45
